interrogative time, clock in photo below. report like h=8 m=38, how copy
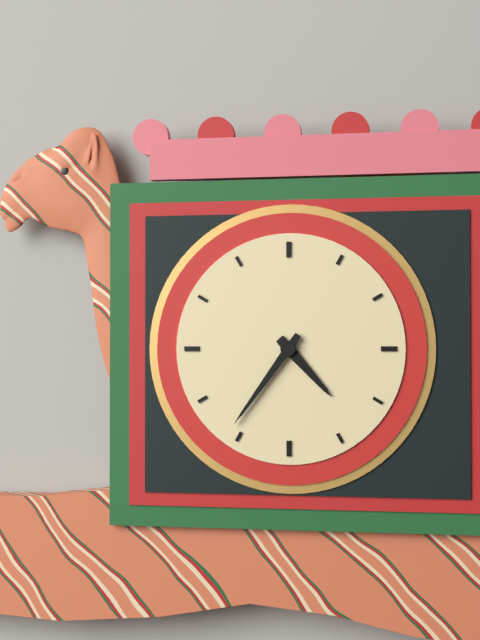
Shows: h=4 m=36
